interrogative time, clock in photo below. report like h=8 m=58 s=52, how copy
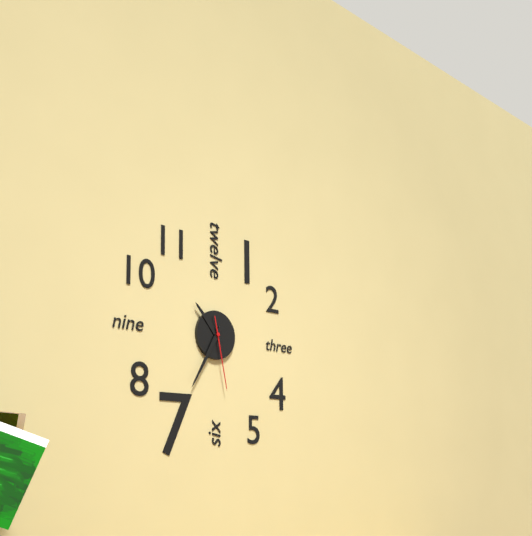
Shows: h=10 m=35 s=28
